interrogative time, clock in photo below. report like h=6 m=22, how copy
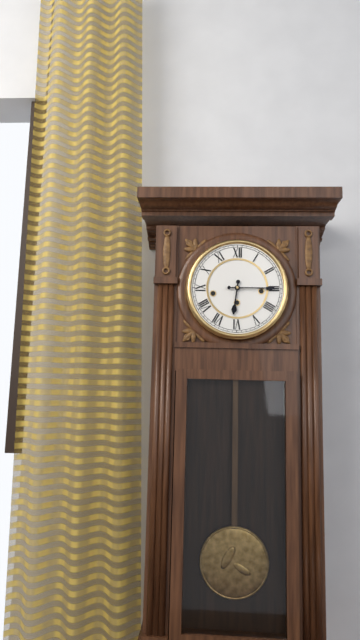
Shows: h=6 m=15
